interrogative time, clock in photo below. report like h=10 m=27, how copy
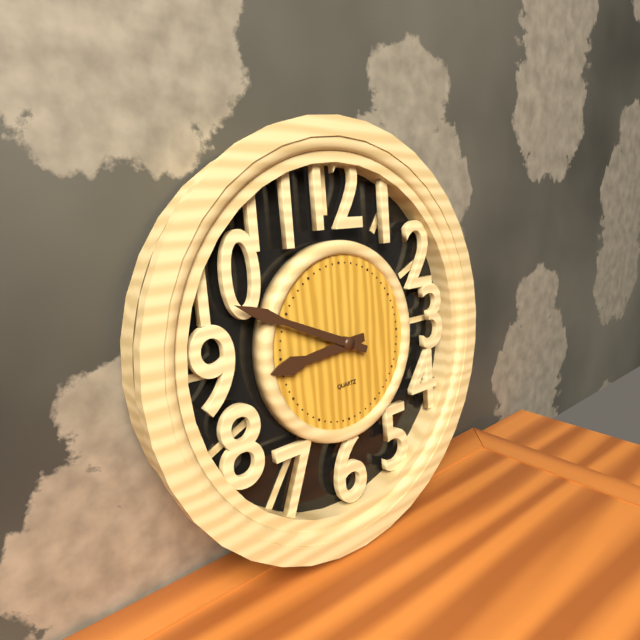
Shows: h=8 m=49
